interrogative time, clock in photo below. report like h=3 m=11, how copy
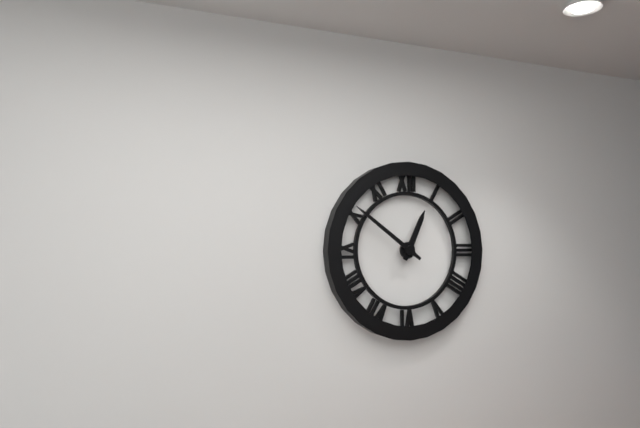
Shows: h=12 m=51
